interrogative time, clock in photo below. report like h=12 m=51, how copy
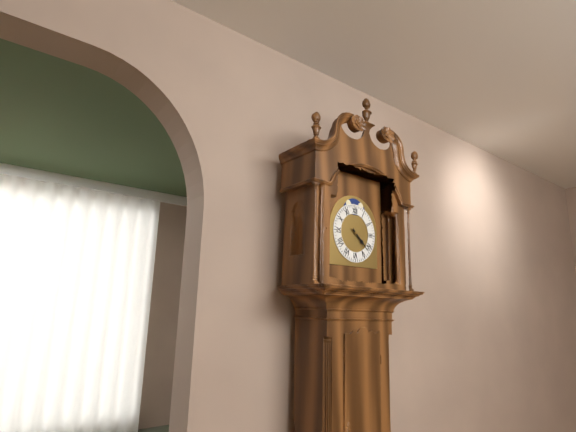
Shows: h=4 m=22
